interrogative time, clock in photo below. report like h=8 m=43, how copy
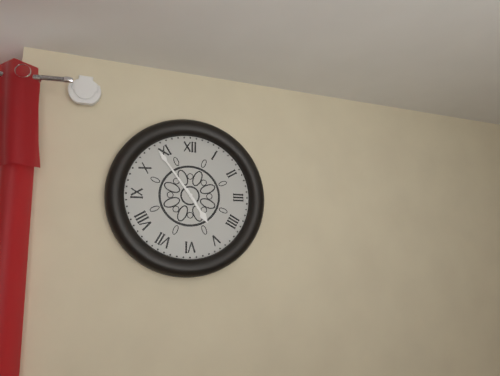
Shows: h=4 m=54
